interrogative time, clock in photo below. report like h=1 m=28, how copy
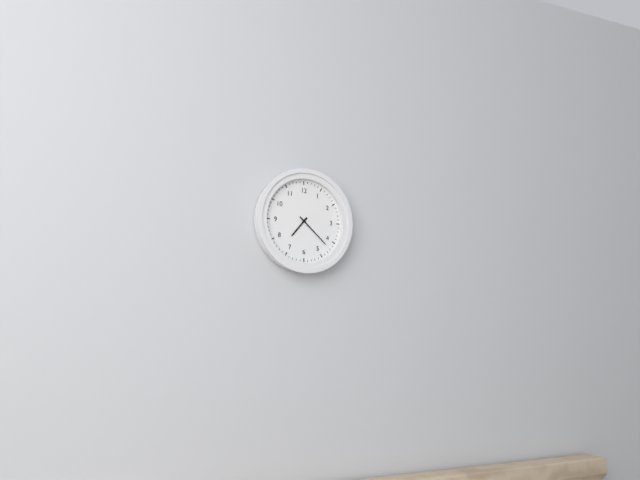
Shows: h=7 m=22
